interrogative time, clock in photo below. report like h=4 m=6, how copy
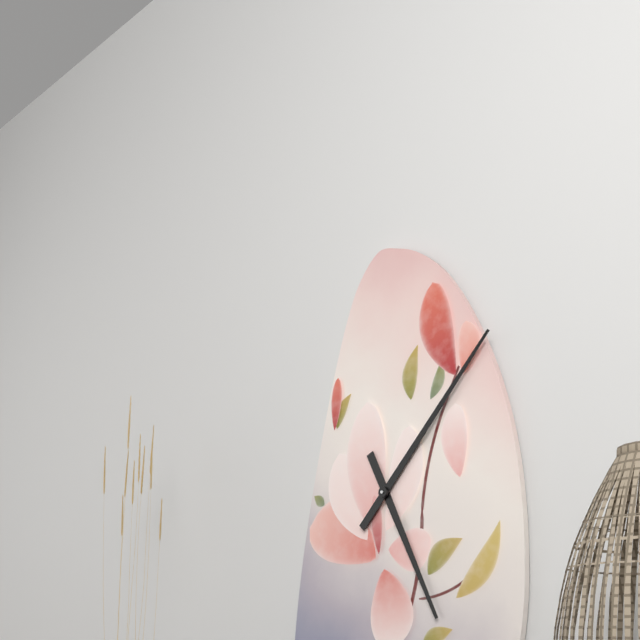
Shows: h=5 m=7
